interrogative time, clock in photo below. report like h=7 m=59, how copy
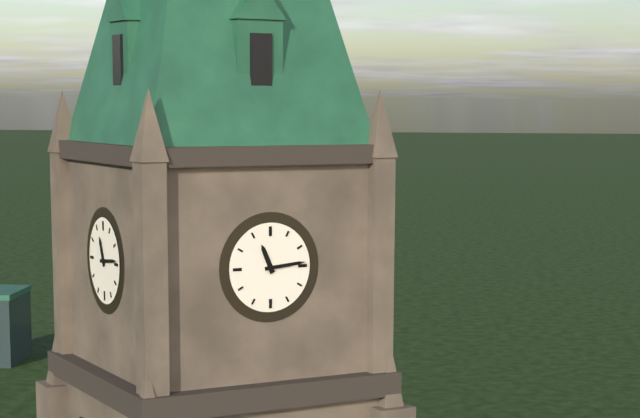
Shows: h=11 m=14
